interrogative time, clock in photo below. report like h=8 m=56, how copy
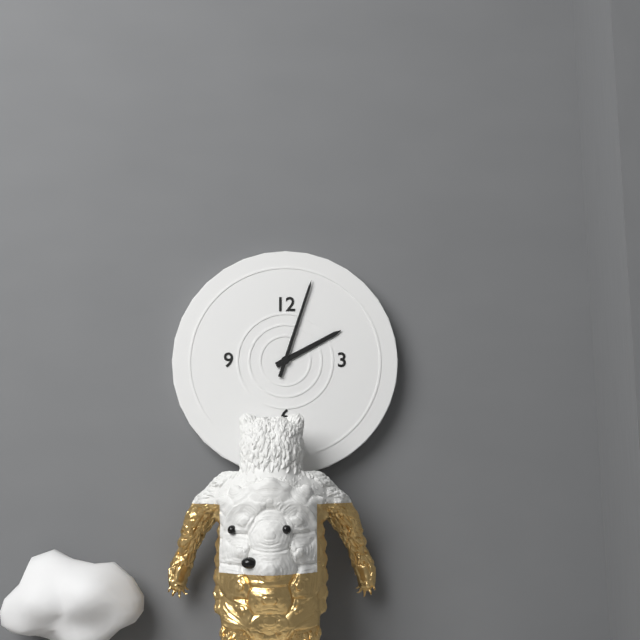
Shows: h=2 m=3
